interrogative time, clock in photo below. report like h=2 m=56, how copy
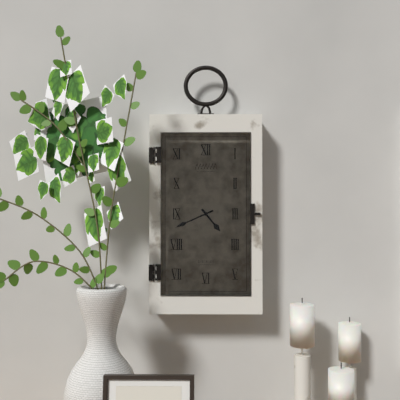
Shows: h=4 m=41
